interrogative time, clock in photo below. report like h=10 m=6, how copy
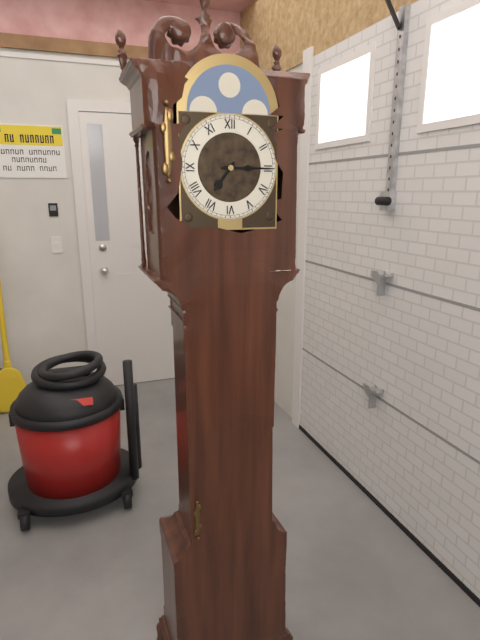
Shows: h=7 m=15
